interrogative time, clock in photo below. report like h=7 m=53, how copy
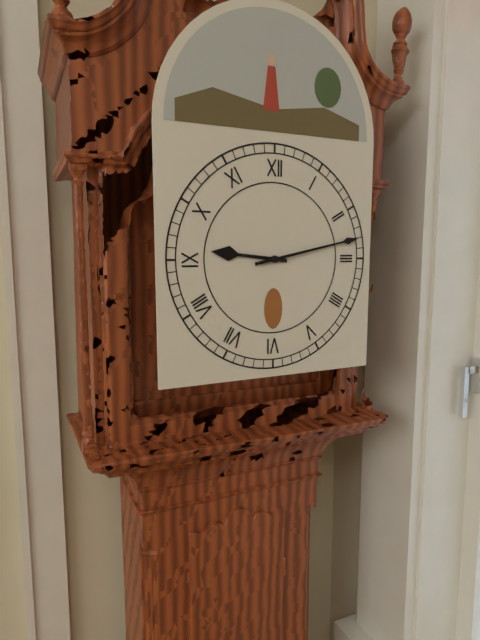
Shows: h=9 m=13
